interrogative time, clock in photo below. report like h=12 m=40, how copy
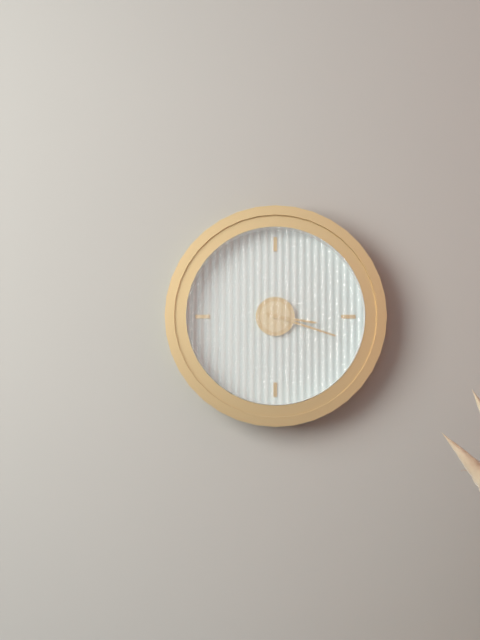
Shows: h=3 m=18
